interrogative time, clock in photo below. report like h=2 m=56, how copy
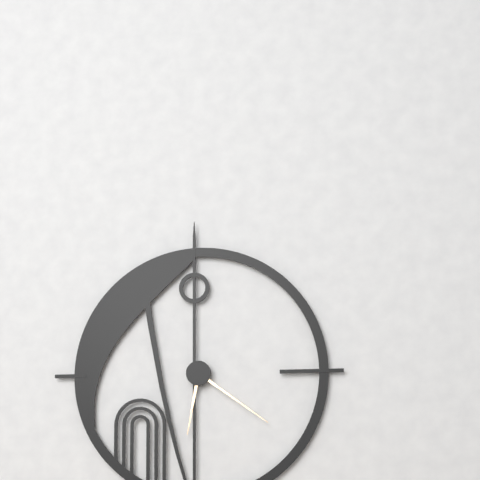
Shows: h=6 m=21
